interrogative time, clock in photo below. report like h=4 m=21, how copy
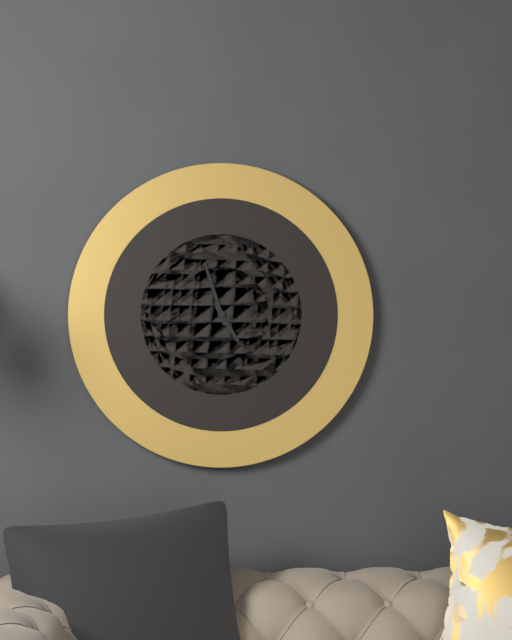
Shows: h=4 m=57
